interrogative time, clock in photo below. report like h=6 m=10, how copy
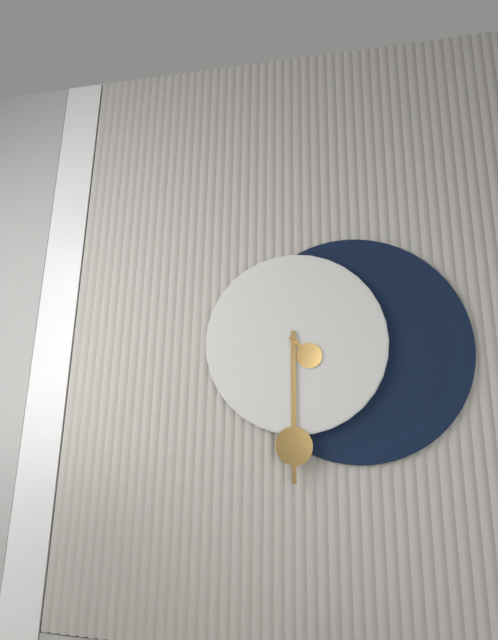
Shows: h=4 m=30
